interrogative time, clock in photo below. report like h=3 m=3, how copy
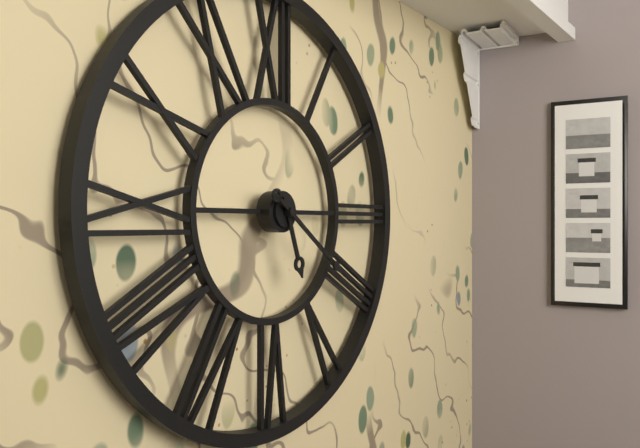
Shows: h=5 m=21
